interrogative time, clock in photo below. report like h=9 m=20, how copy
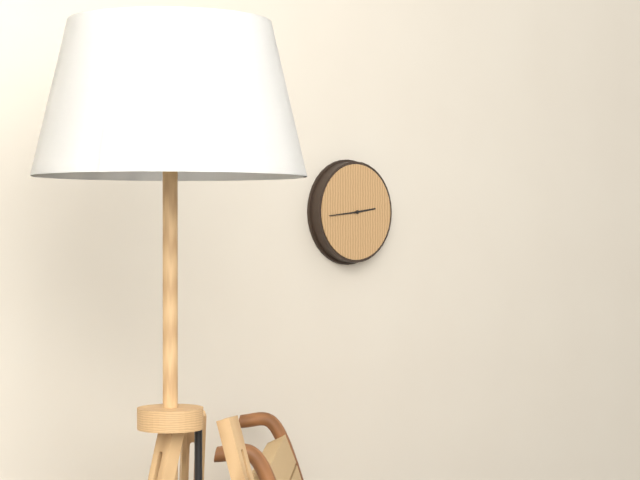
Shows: h=2 m=44
